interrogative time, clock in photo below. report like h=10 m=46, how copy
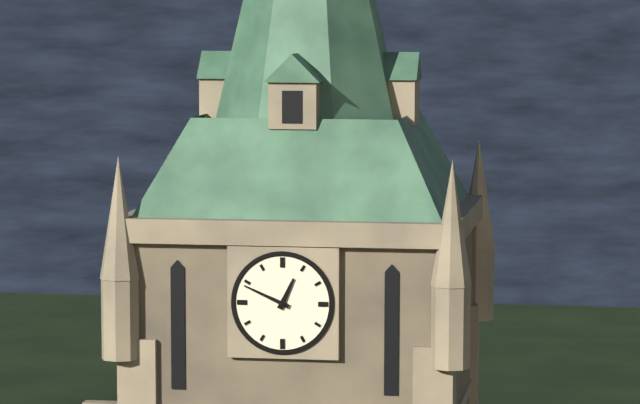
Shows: h=12 m=49
